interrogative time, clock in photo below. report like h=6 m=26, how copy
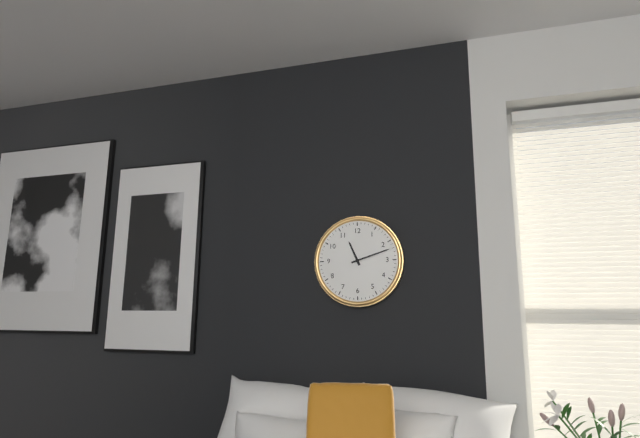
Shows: h=11 m=12
